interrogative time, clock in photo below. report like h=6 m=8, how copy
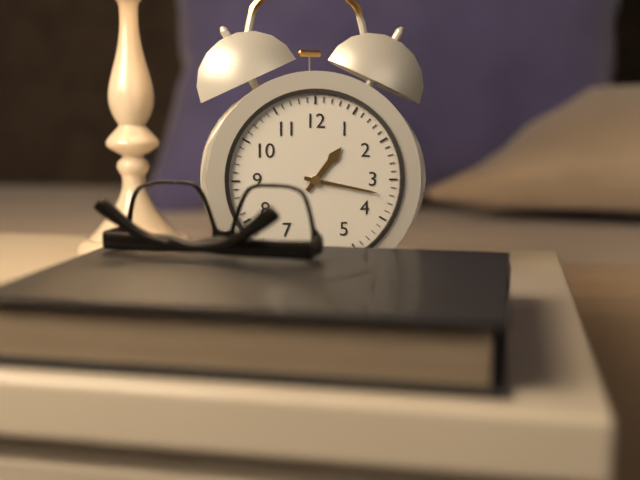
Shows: h=1 m=17
